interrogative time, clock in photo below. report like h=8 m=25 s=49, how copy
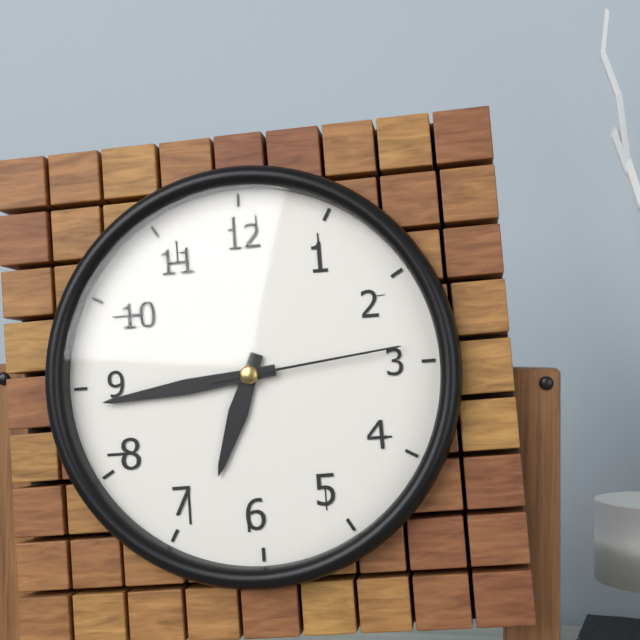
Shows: h=6 m=44 s=14
